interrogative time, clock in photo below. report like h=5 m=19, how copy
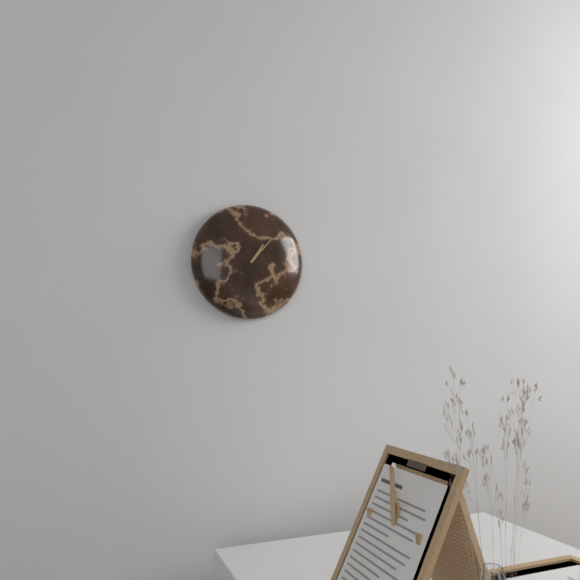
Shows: h=1 m=7
